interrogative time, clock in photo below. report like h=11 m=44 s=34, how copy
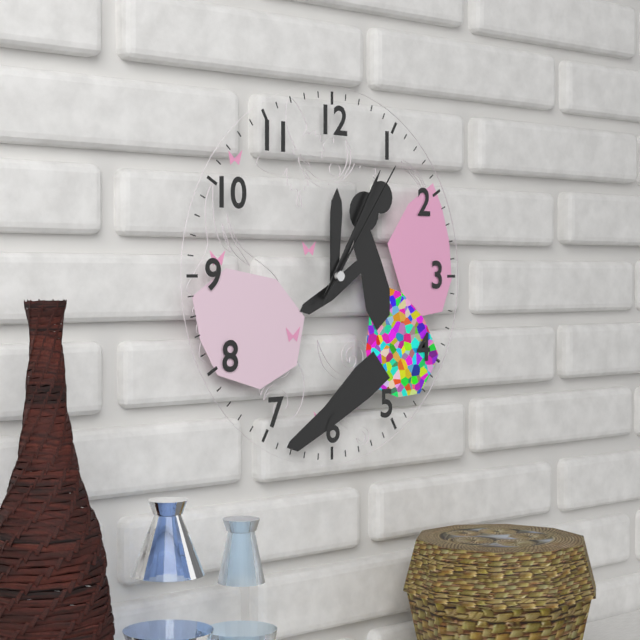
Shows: h=12 m=5 s=6
